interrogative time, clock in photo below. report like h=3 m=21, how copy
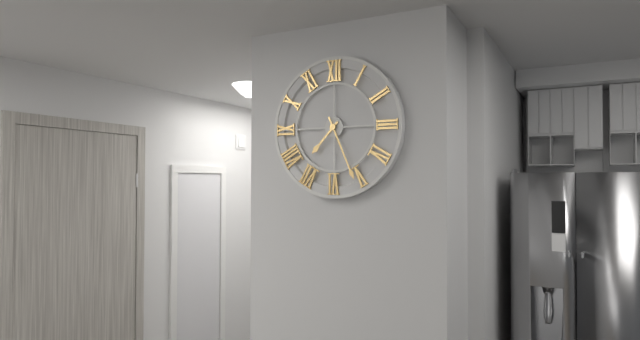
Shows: h=7 m=26
